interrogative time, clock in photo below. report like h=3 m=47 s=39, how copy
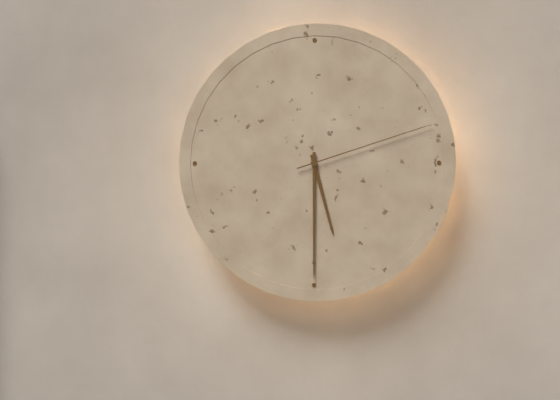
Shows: h=5 m=30 s=12
